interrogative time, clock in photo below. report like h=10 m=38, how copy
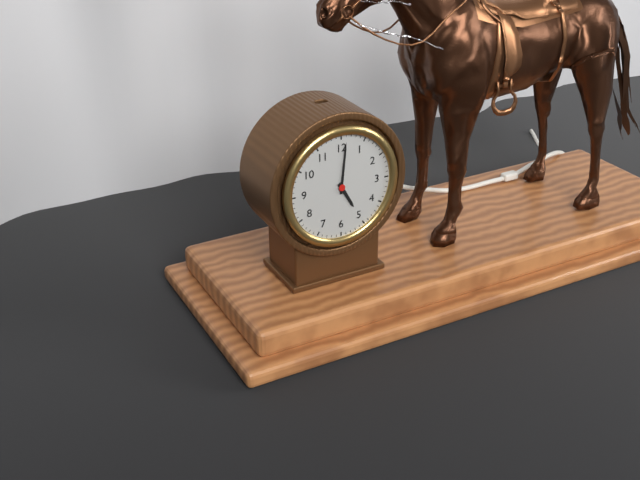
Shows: h=5 m=1
